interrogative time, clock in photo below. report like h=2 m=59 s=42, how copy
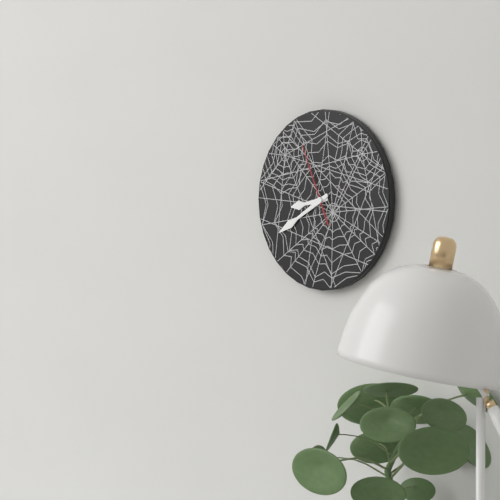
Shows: h=8 m=40 s=56
